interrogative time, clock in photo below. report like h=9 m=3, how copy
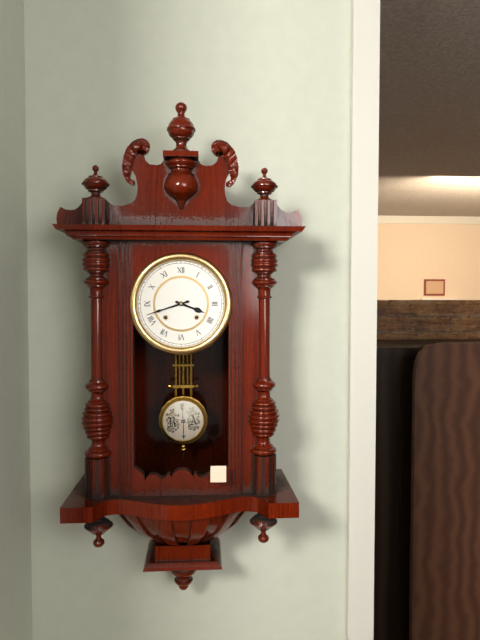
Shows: h=3 m=42
